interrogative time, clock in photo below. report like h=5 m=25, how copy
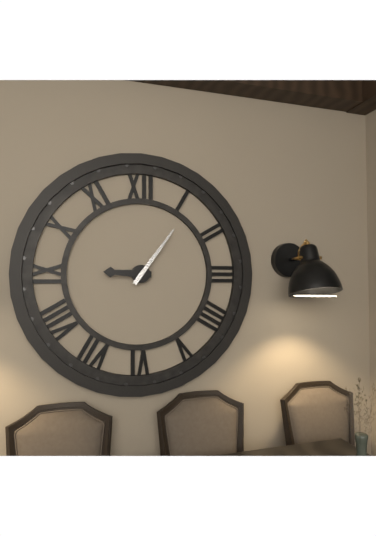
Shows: h=9 m=6
